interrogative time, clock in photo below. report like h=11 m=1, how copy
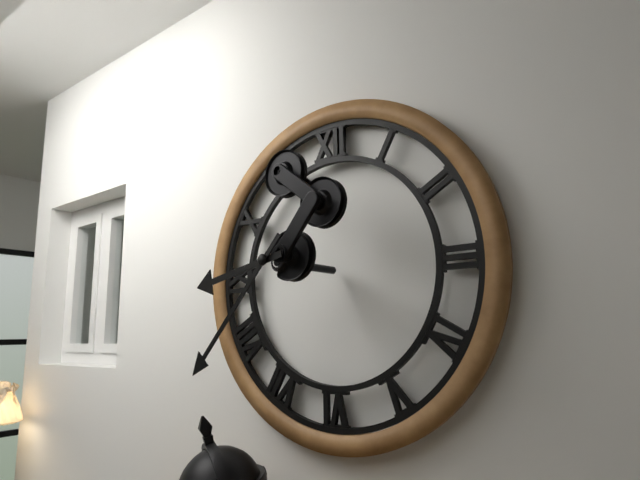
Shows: h=8 m=37
